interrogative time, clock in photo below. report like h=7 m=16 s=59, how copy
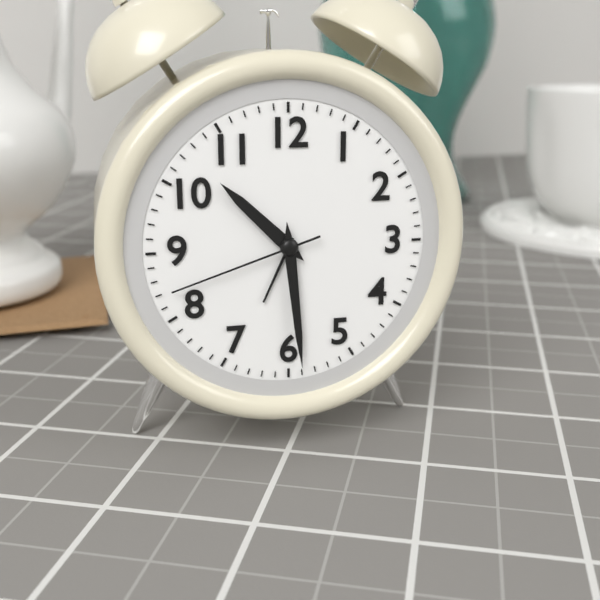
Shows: h=10 m=29 s=42
